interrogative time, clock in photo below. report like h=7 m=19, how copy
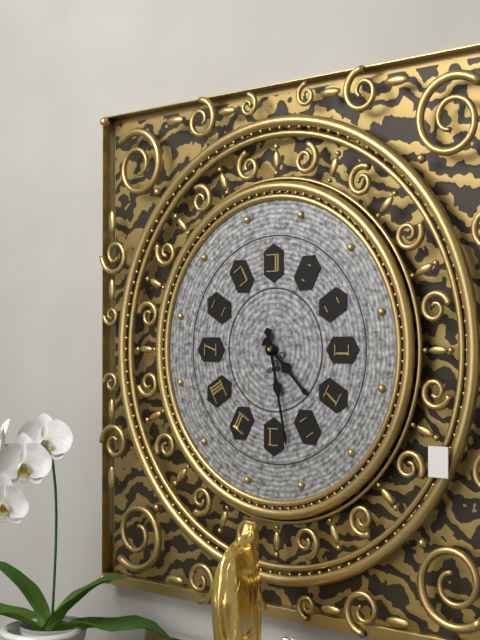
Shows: h=4 m=28
